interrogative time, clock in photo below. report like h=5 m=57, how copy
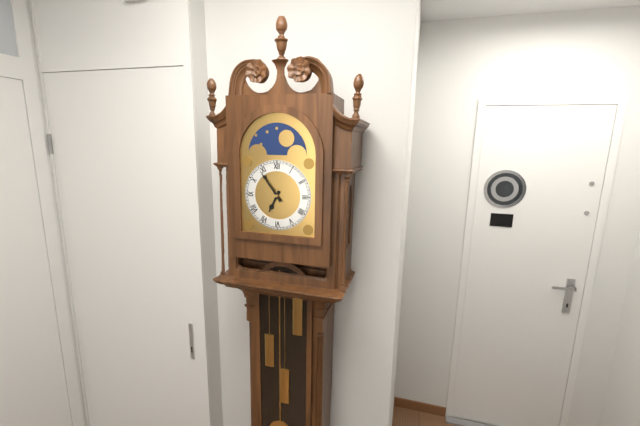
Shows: h=6 m=54
